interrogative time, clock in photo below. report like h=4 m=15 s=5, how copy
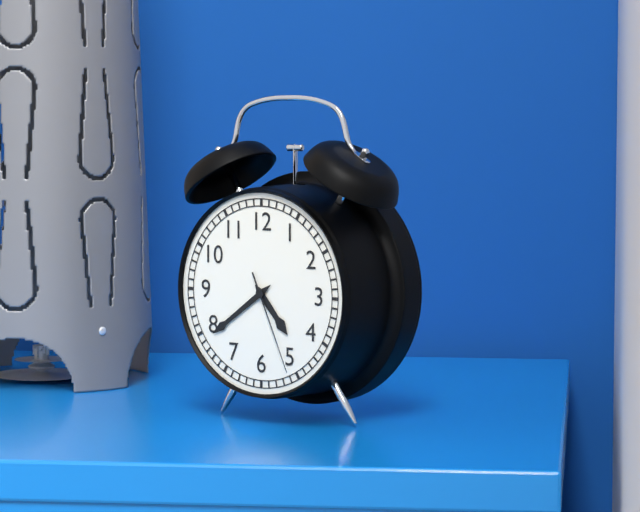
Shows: h=4 m=39 s=26
